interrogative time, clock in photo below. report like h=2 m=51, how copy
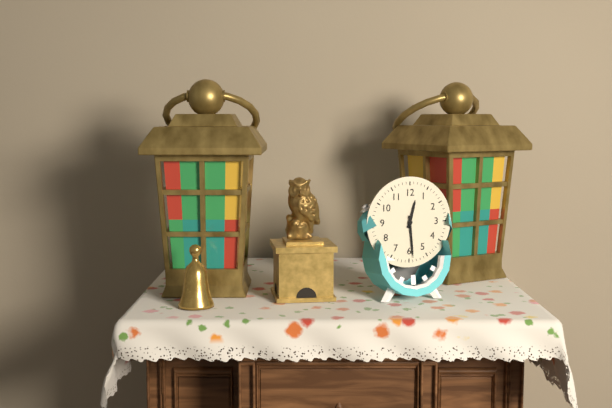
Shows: h=12 m=29
